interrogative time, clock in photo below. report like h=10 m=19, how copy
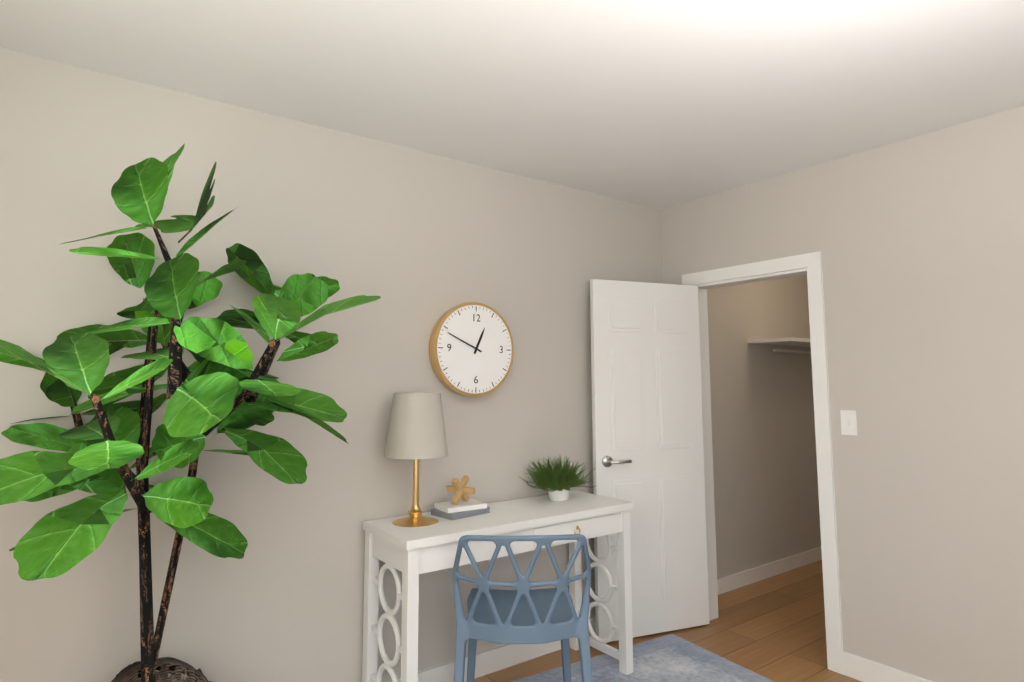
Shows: h=12 m=49
